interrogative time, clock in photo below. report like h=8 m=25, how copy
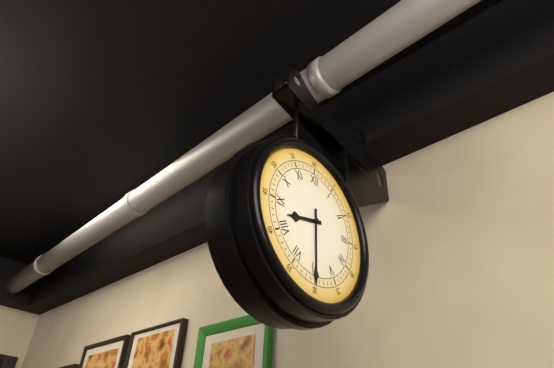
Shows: h=8 m=30
